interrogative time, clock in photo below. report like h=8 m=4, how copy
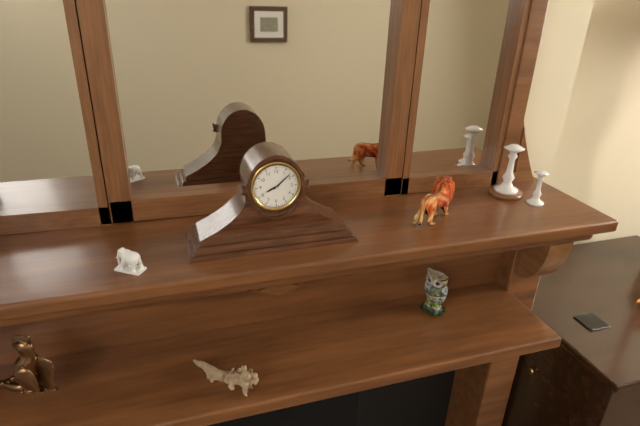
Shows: h=8 m=8
